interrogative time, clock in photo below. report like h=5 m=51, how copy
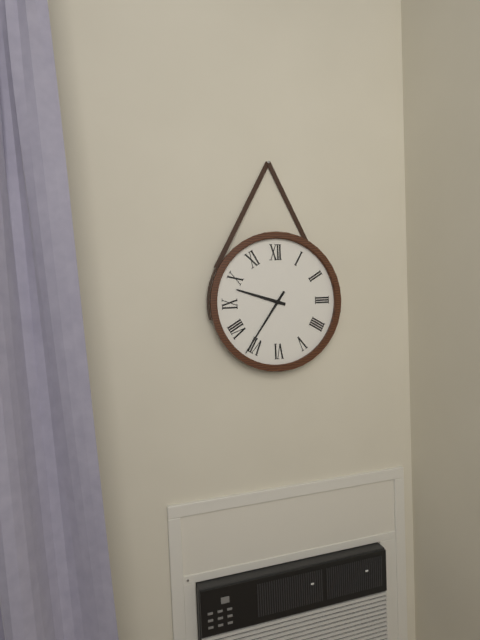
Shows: h=9 m=36
